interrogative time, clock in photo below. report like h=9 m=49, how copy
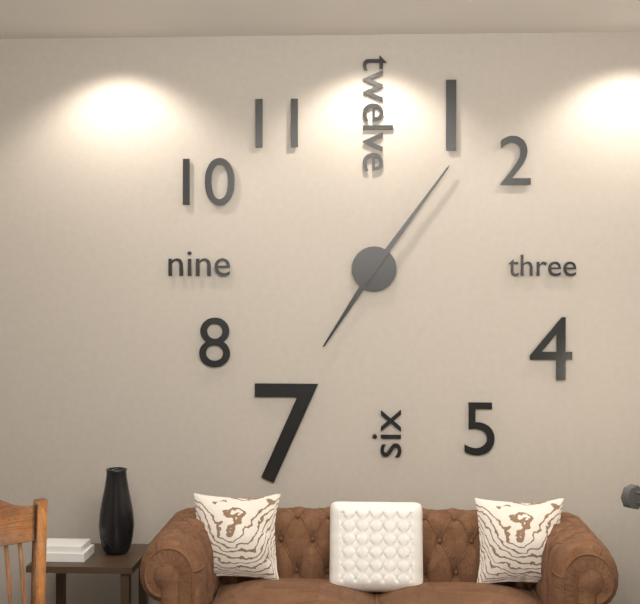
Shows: h=7 m=6
